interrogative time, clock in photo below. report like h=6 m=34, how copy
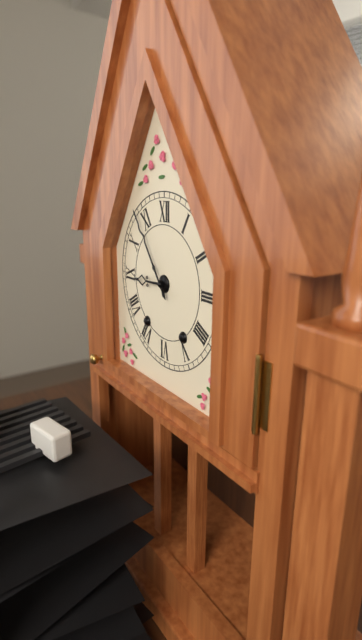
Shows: h=8 m=54
